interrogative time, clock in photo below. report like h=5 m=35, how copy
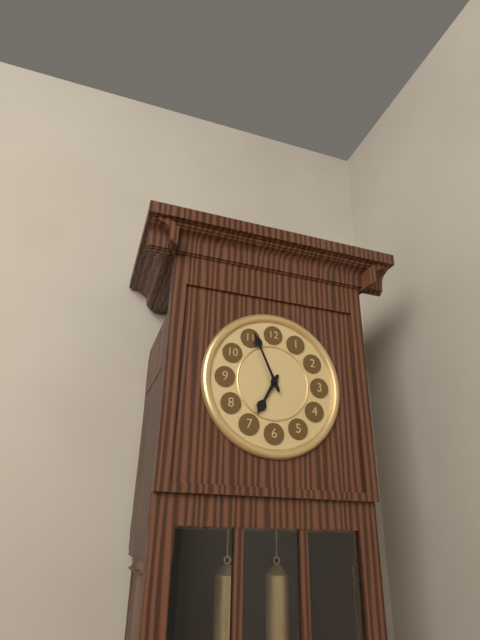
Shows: h=6 m=56
